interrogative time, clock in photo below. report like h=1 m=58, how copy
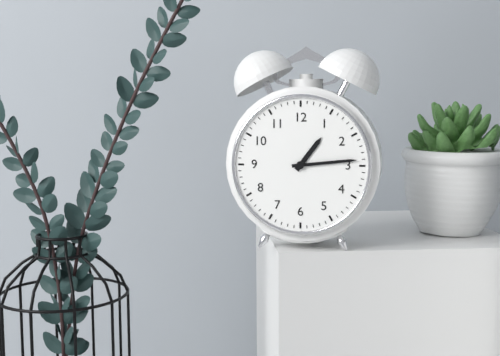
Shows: h=1 m=14
